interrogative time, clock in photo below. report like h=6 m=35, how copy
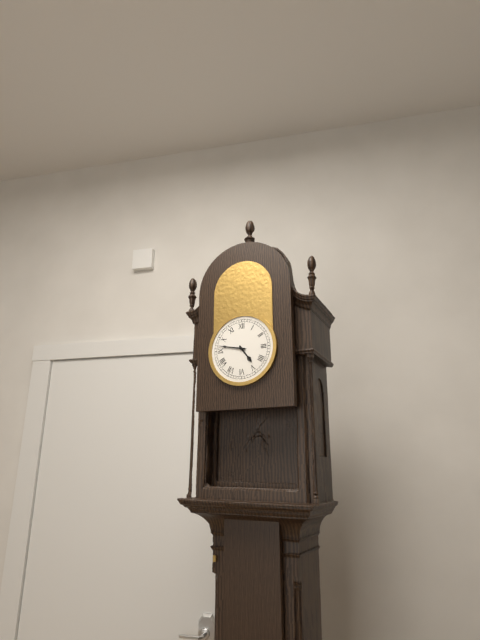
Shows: h=4 m=47
